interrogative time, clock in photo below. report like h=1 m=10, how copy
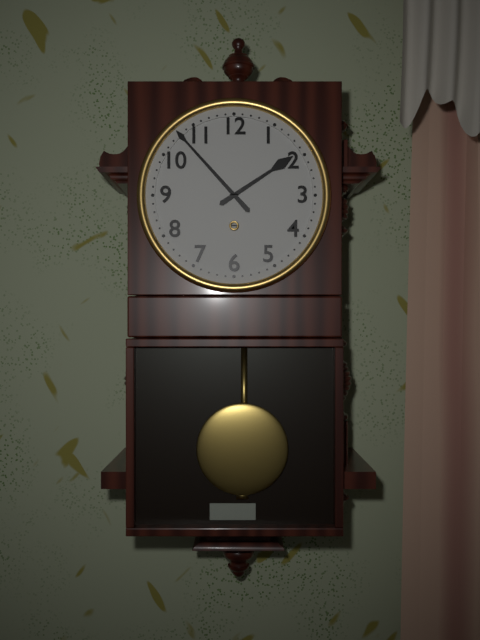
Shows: h=1 m=53
